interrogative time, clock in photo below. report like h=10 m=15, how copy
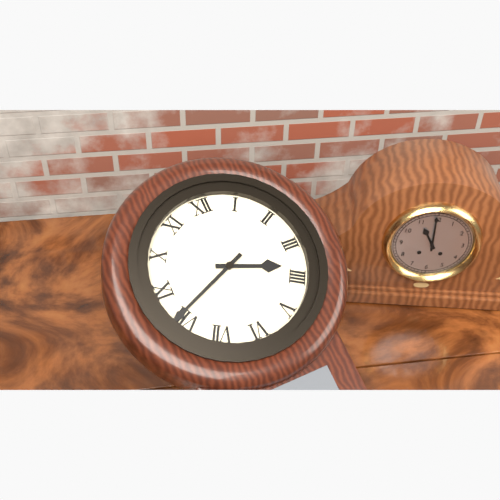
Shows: h=3 m=41
